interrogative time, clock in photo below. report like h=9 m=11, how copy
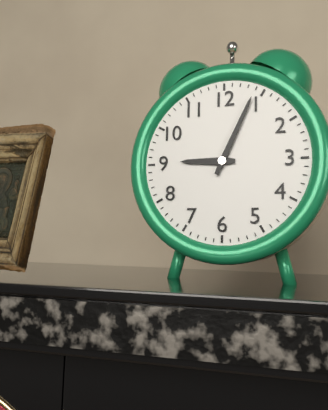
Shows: h=9 m=4
